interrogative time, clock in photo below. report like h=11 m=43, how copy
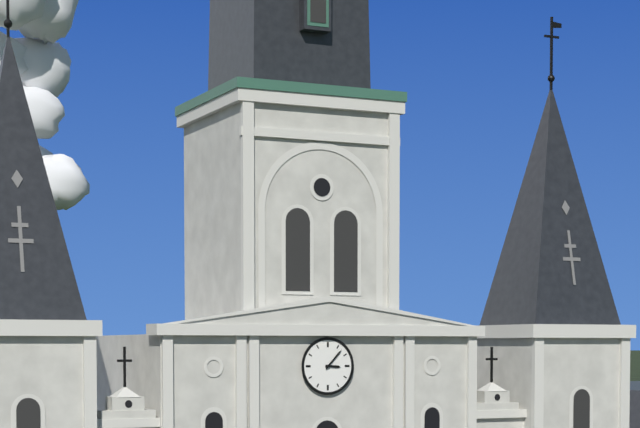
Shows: h=3 m=7
